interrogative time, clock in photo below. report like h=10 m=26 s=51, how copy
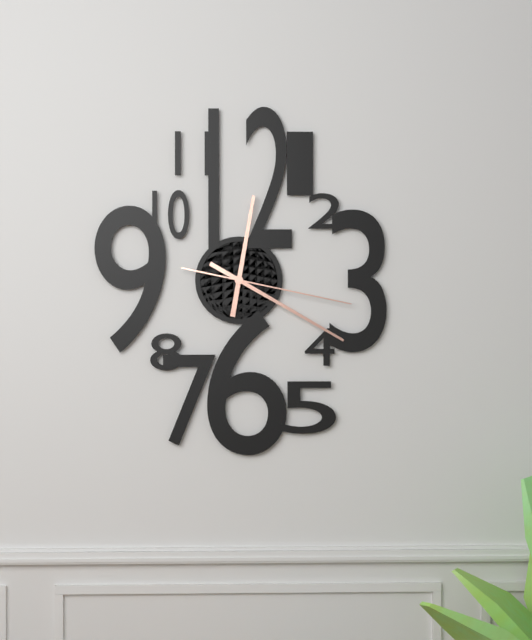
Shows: h=12 m=20 s=17
